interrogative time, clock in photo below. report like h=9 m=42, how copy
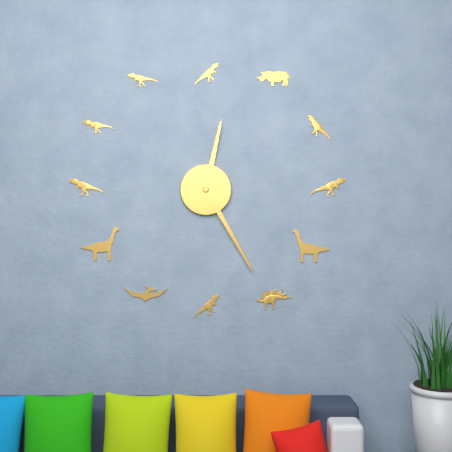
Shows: h=12 m=25
